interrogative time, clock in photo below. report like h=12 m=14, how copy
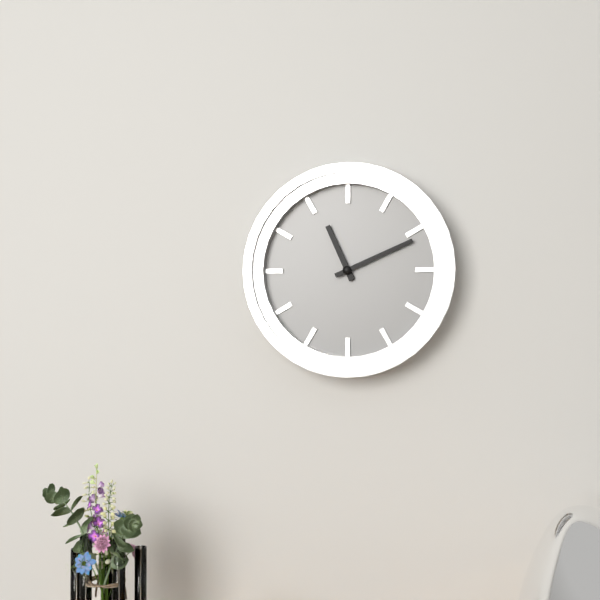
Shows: h=11 m=11
